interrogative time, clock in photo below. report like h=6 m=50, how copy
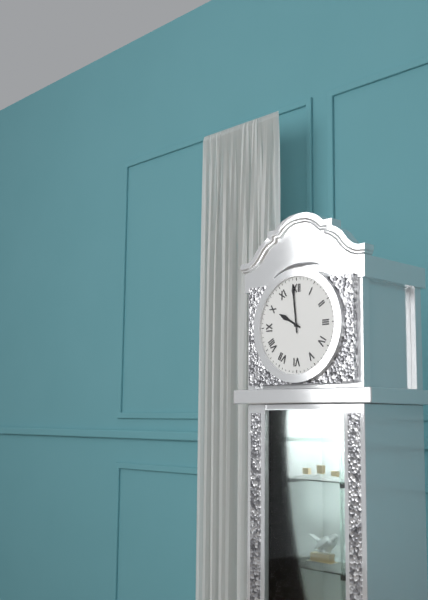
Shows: h=9 m=59
